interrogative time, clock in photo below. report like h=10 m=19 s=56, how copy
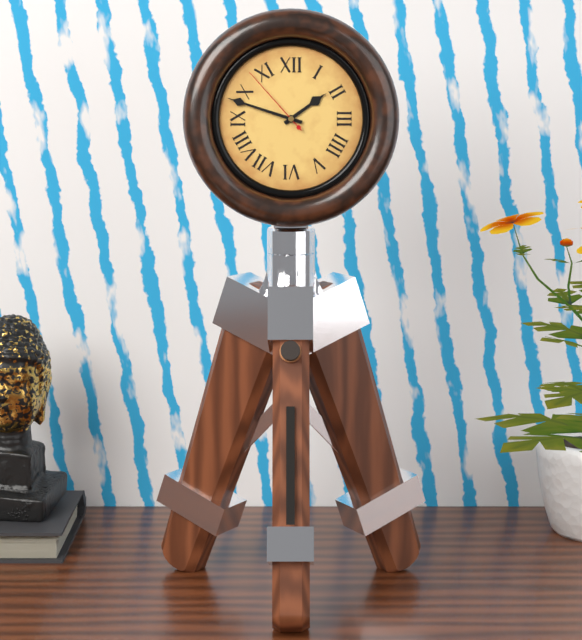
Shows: h=1 m=48 s=53
